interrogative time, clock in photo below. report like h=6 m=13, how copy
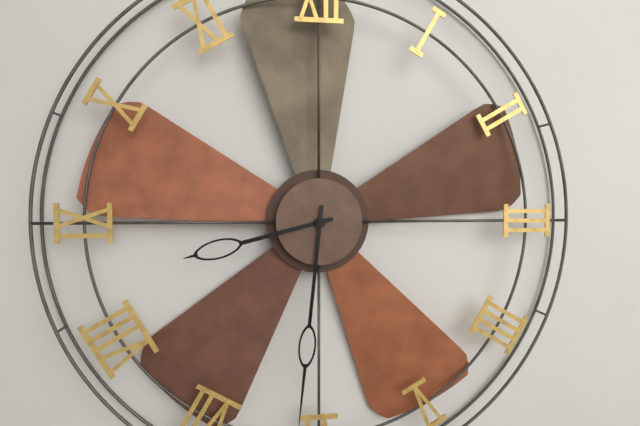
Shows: h=8 m=31
